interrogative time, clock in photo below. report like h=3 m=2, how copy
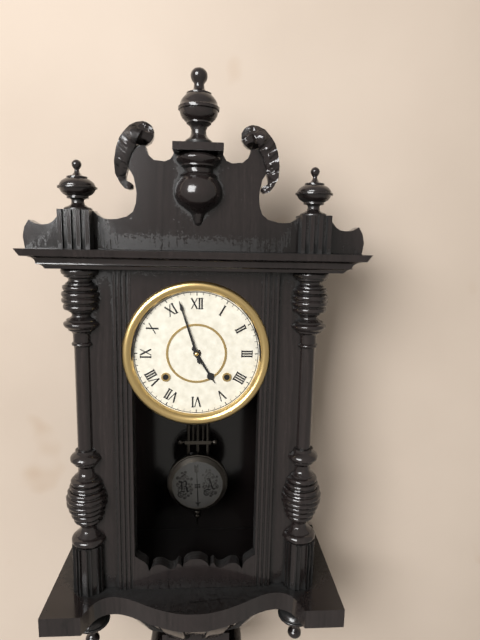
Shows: h=4 m=57
